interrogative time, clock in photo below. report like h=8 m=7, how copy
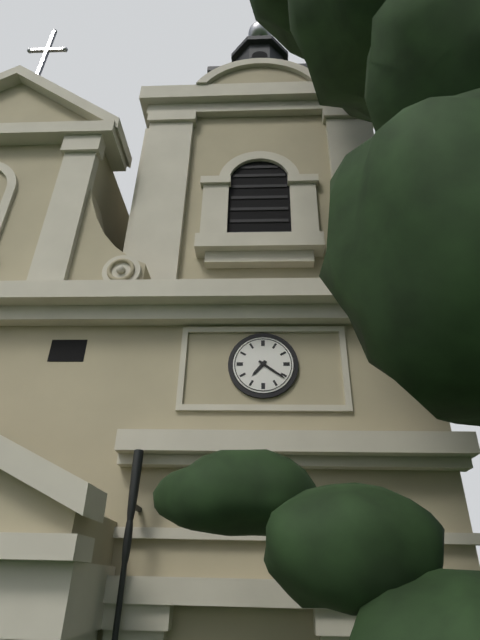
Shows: h=7 m=21
